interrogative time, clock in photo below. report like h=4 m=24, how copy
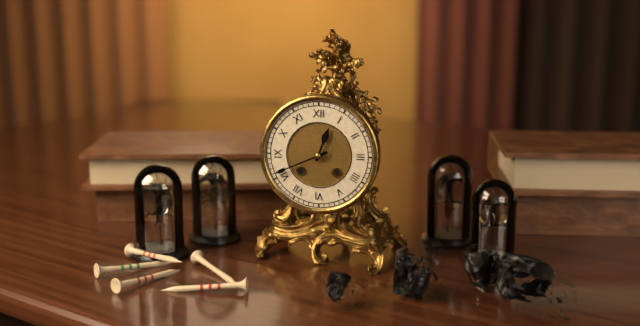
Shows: h=12 m=41
